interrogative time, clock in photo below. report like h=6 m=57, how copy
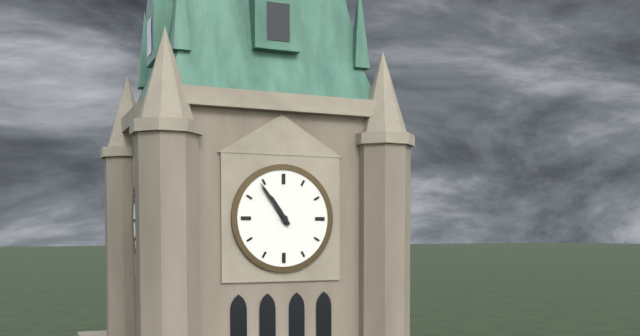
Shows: h=10 m=54
